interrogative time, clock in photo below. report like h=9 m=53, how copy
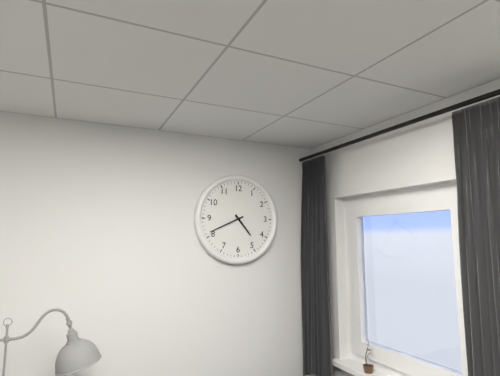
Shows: h=4 m=41
